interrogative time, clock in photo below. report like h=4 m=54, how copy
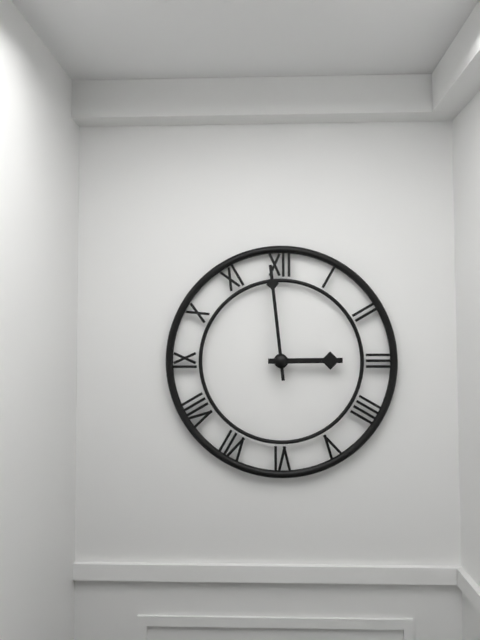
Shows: h=2 m=59
